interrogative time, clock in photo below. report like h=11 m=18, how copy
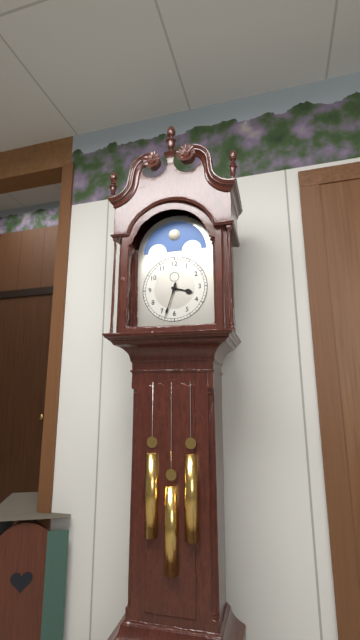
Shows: h=3 m=33
